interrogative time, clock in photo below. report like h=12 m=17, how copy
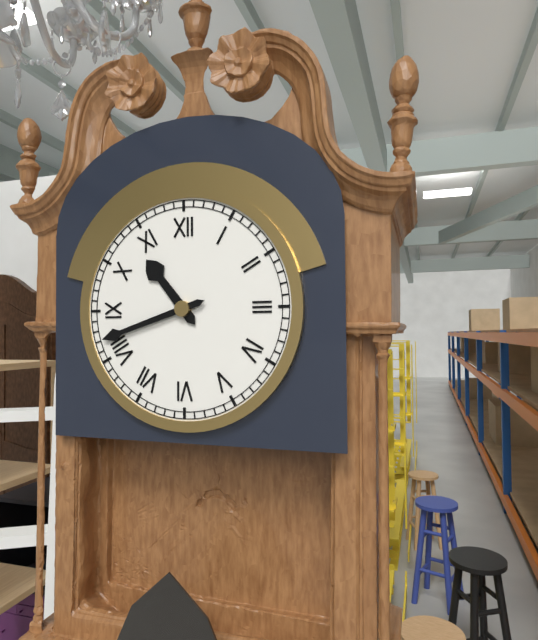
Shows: h=10 m=42
